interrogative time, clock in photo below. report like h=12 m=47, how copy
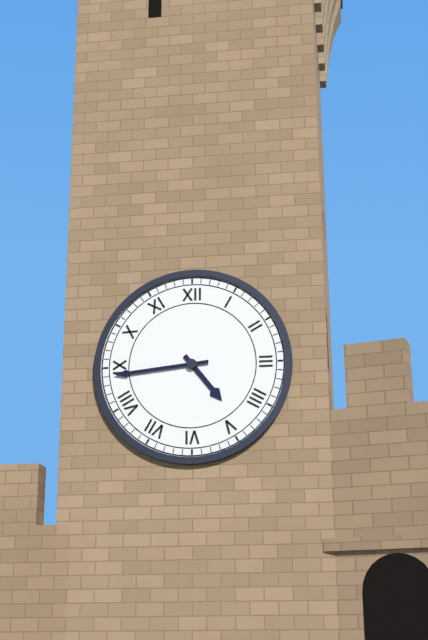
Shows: h=4 m=44
